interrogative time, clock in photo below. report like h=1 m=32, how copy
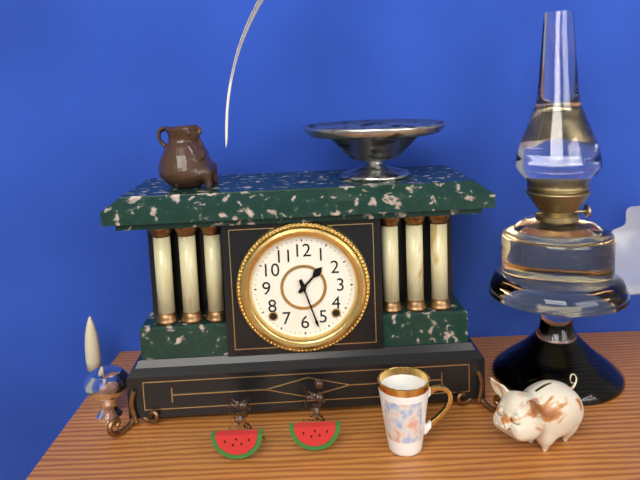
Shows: h=1 m=27
